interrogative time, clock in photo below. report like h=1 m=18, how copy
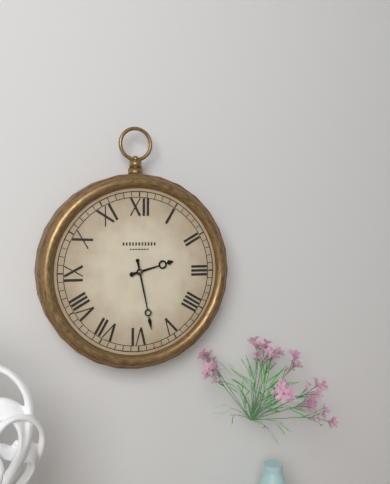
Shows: h=2 m=28
